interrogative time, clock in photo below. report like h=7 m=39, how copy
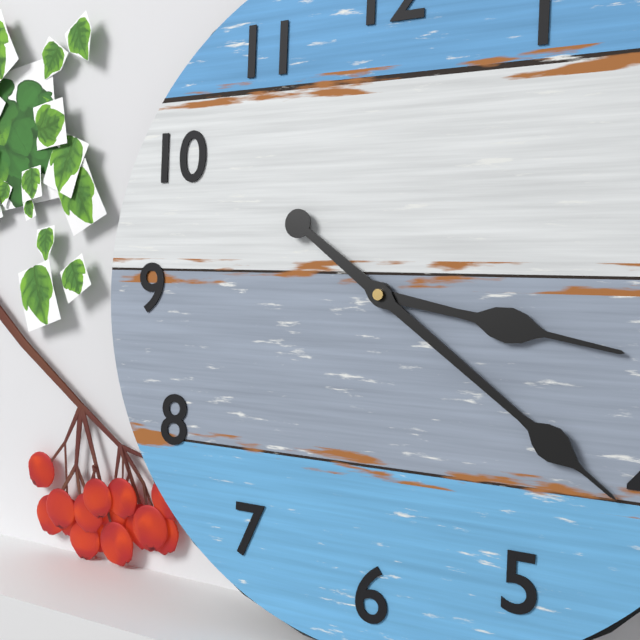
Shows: h=3 m=21
